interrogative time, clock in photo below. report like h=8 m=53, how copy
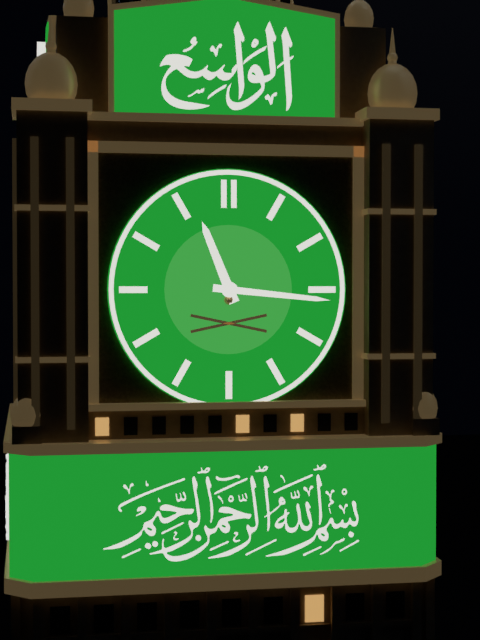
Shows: h=11 m=16
